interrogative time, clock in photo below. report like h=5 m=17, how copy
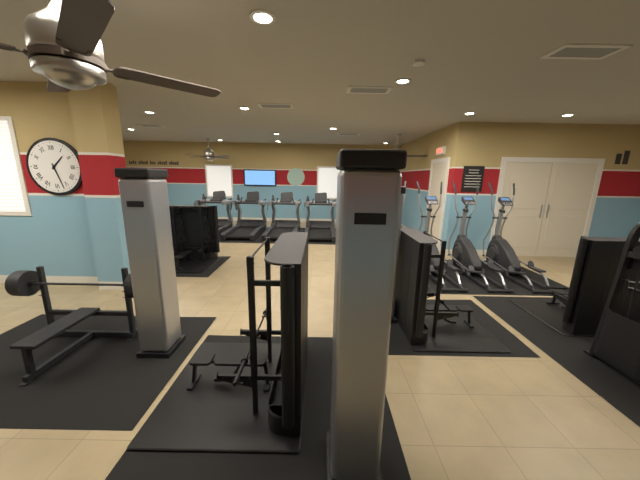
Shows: h=1 m=27
